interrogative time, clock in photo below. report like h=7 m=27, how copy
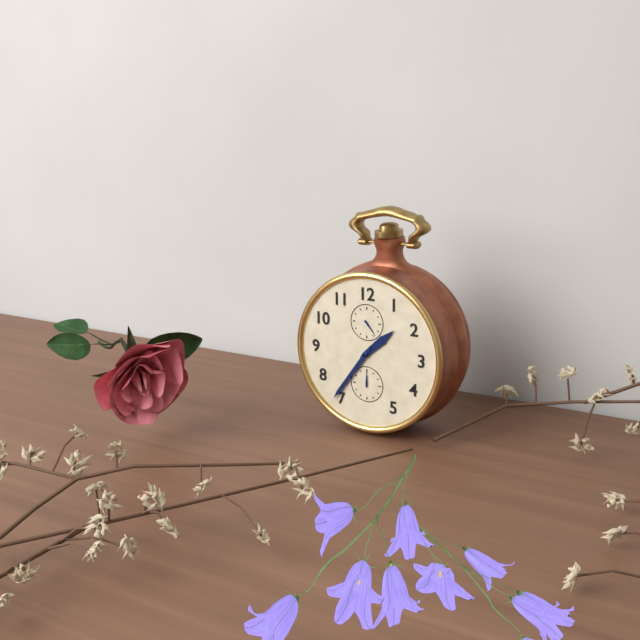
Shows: h=1 m=36
